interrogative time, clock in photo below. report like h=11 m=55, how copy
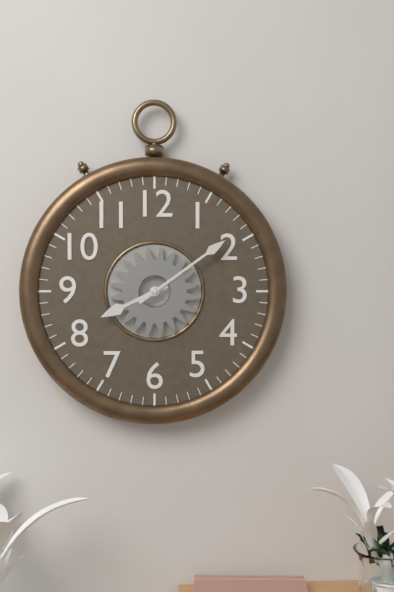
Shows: h=8 m=9
